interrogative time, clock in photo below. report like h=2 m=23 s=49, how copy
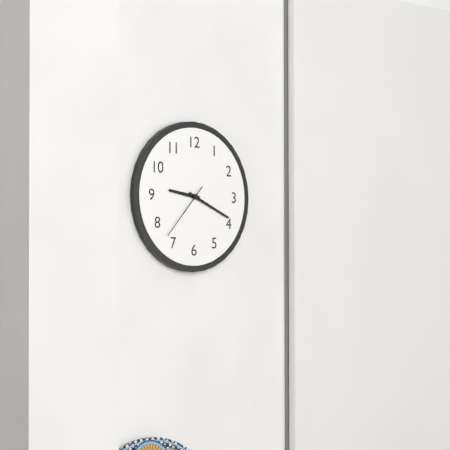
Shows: h=9 m=19 s=37
